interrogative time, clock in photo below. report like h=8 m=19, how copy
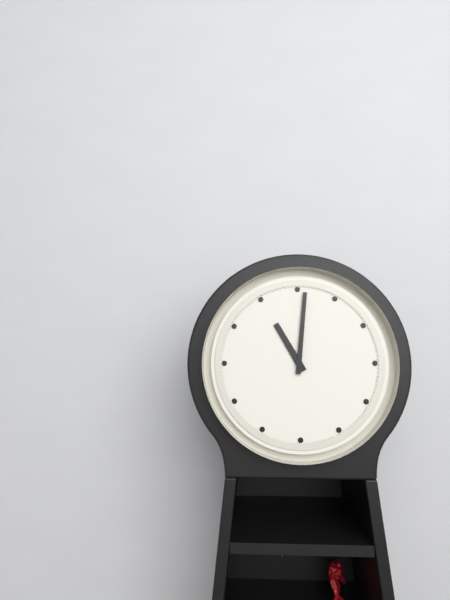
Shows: h=11 m=1
